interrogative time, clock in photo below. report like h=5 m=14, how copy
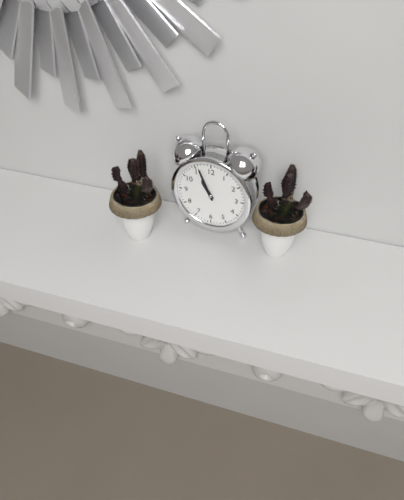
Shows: h=10 m=56
